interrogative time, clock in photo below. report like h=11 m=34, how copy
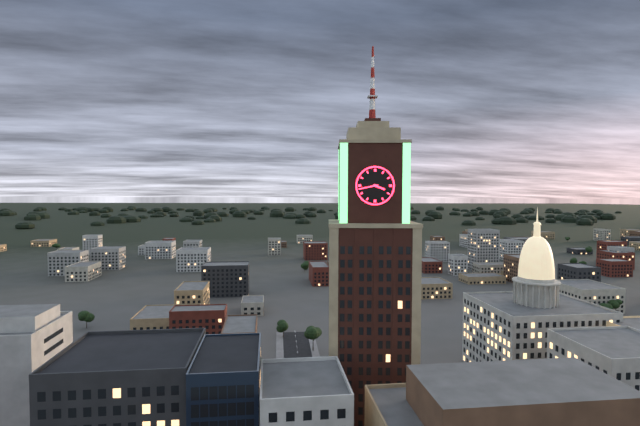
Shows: h=3 m=43
